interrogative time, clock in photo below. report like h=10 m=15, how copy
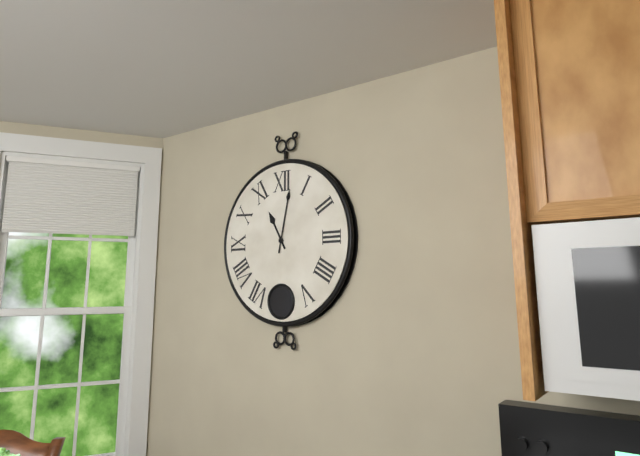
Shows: h=11 m=2
